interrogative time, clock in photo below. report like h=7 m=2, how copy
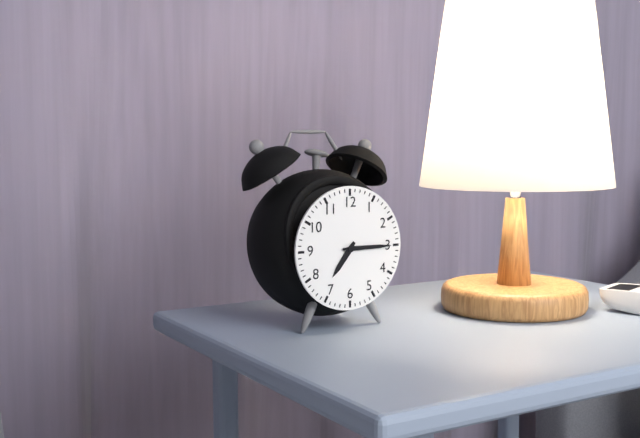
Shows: h=7 m=15
